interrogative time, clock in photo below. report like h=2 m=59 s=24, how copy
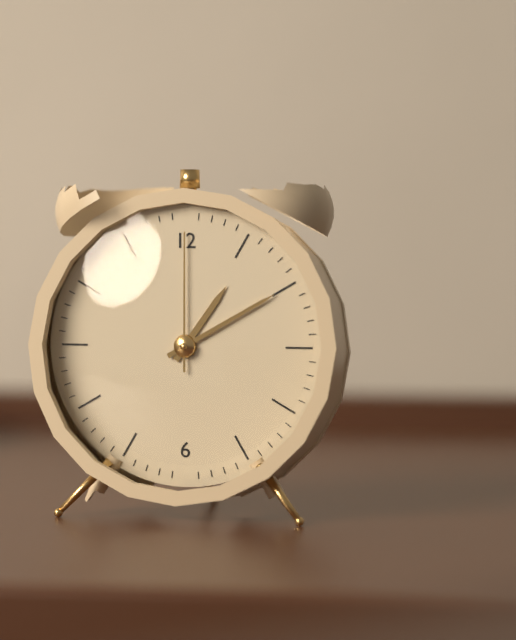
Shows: h=1 m=10 s=0
